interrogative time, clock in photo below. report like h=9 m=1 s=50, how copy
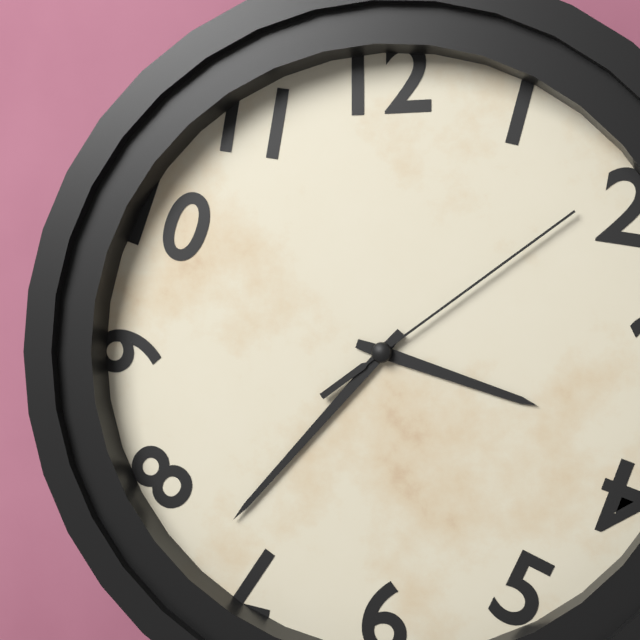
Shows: h=3 m=37 s=9
